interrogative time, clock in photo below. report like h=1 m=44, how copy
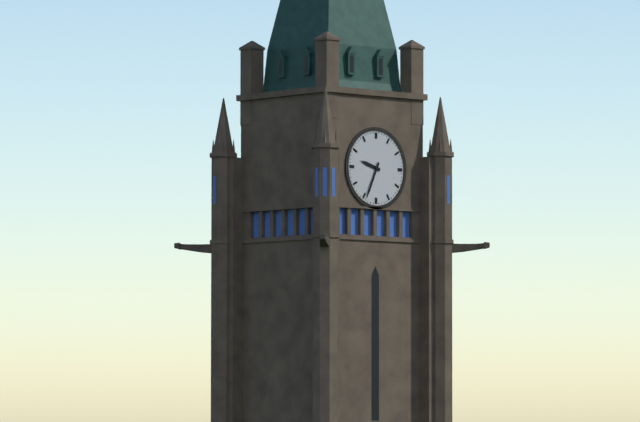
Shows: h=9 m=34
